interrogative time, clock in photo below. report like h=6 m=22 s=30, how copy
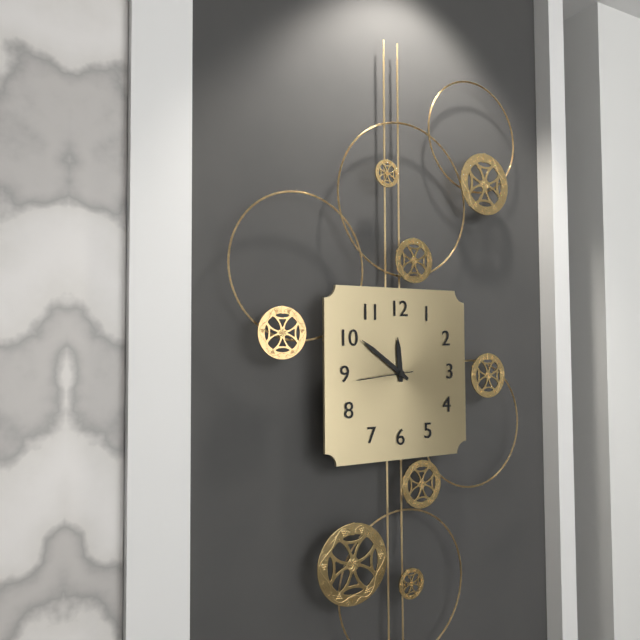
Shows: h=11 m=51 s=44
